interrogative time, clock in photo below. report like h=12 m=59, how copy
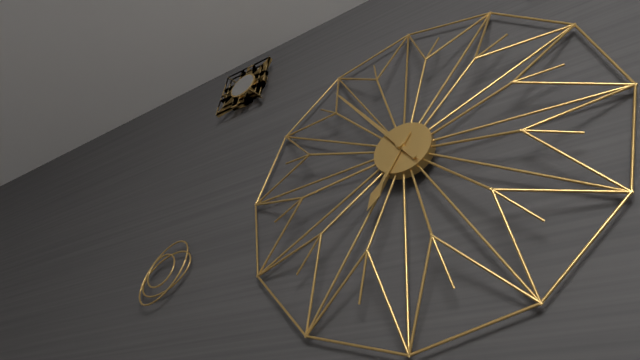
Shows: h=6 m=54
